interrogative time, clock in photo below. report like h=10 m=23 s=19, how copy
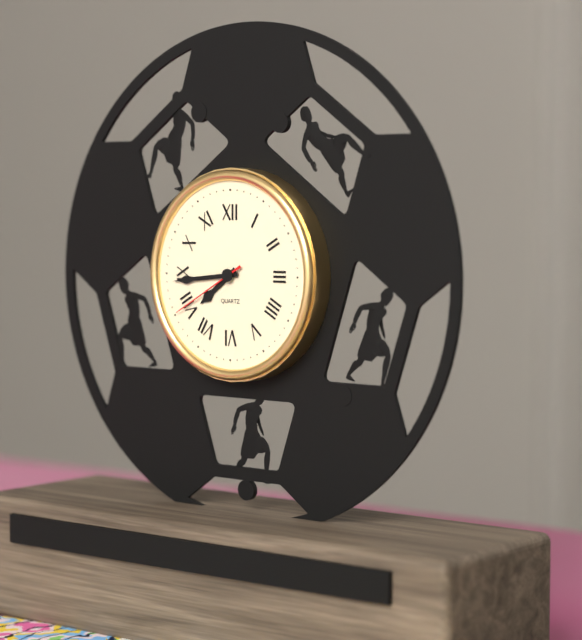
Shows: h=7 m=44 s=40
